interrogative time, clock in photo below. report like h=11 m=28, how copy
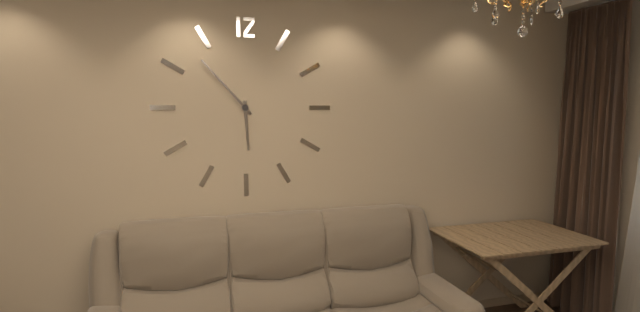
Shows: h=5 m=53
